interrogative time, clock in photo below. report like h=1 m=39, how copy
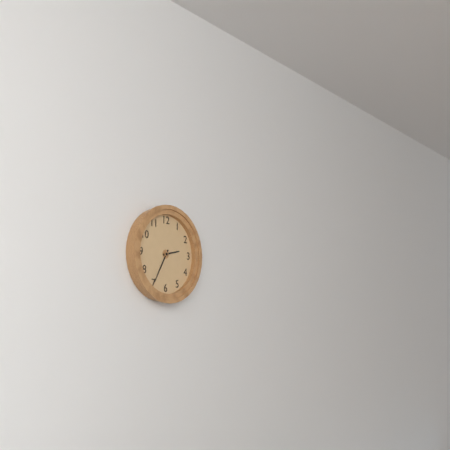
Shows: h=2 m=35
